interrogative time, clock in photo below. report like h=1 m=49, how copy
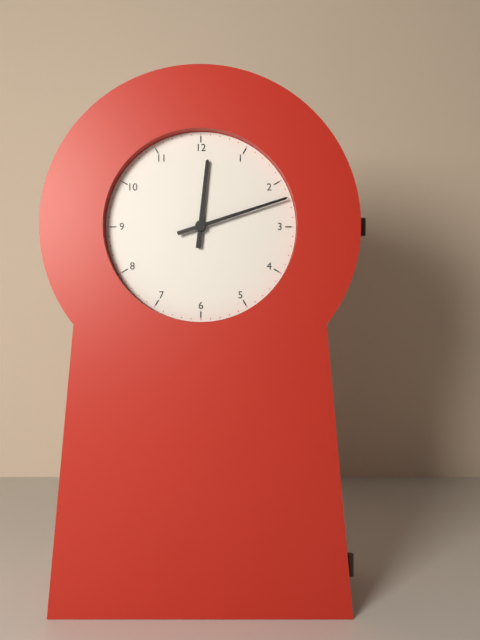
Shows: h=12 m=12
